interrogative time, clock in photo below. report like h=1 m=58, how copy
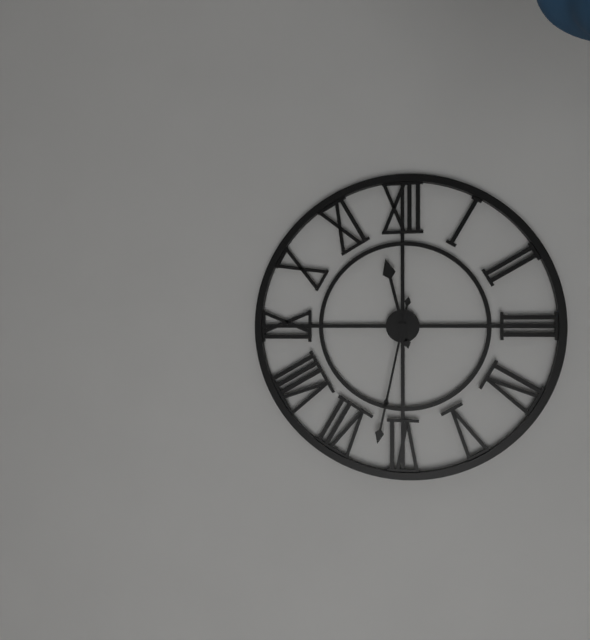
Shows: h=11 m=32
